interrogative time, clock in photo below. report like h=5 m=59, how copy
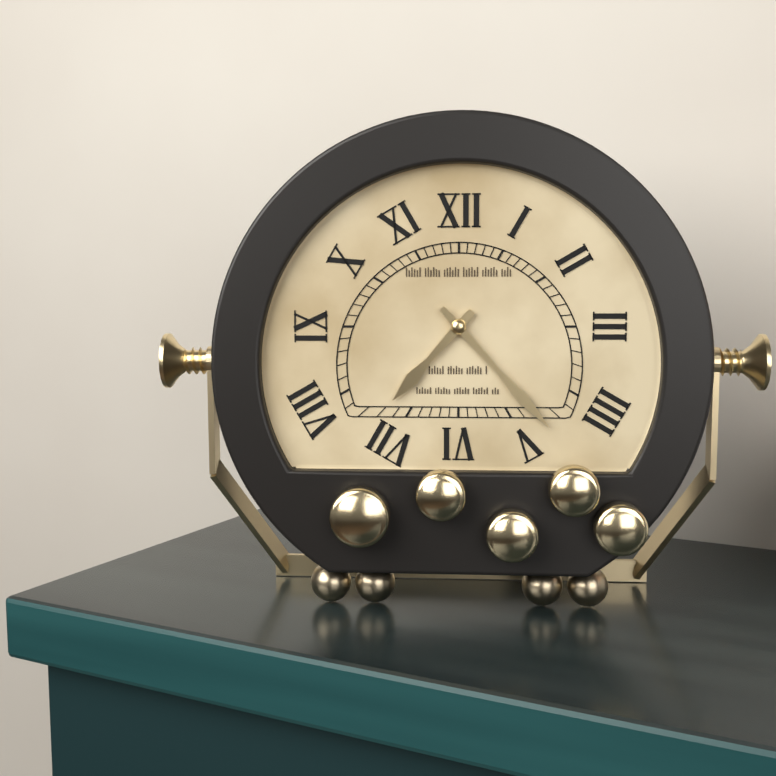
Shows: h=7 m=23
